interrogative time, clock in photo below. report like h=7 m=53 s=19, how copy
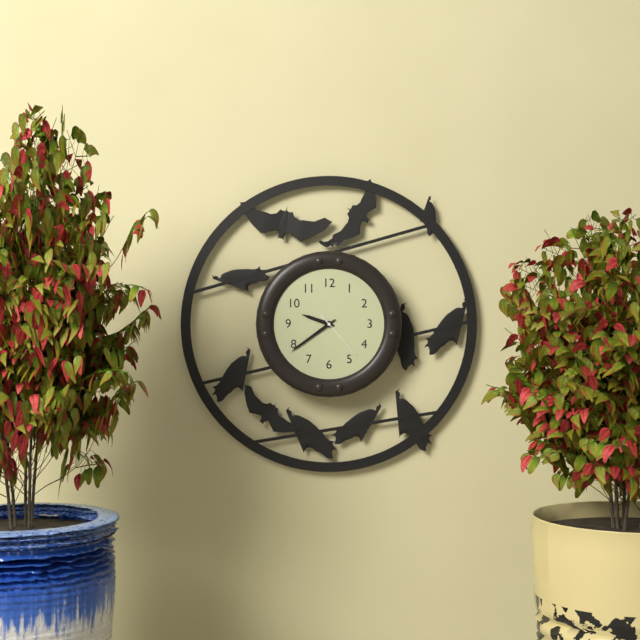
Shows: h=9 m=39 s=23
